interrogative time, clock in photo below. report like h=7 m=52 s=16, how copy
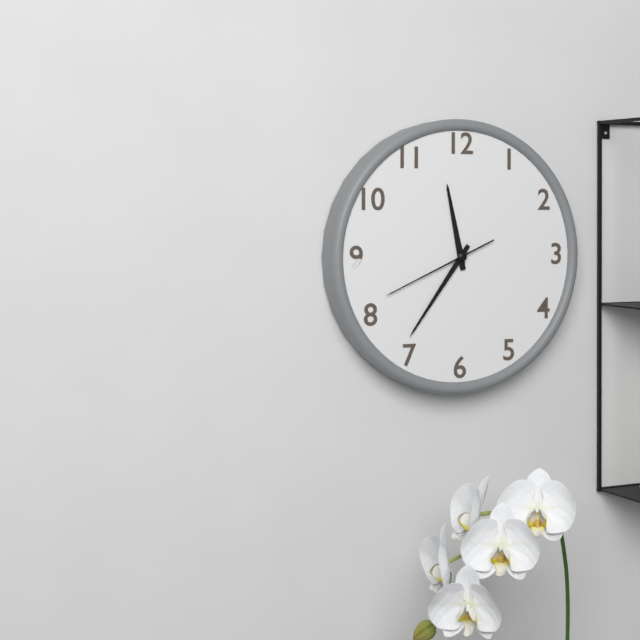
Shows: h=11 m=36 s=41
